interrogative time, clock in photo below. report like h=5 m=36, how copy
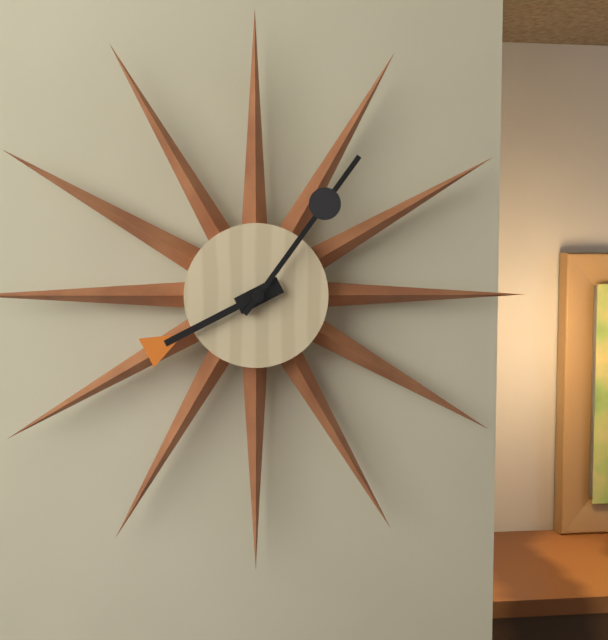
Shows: h=8 m=6
